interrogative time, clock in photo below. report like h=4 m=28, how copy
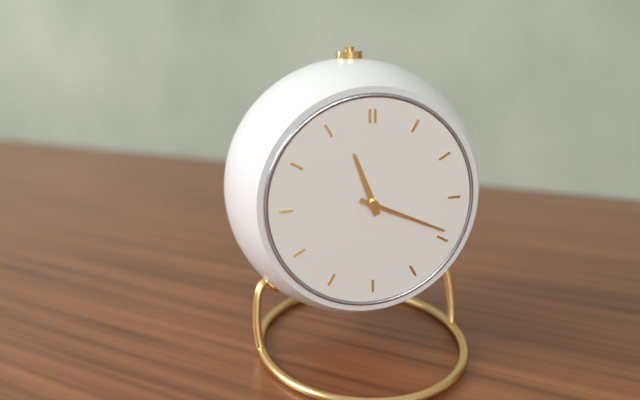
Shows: h=11 m=19
